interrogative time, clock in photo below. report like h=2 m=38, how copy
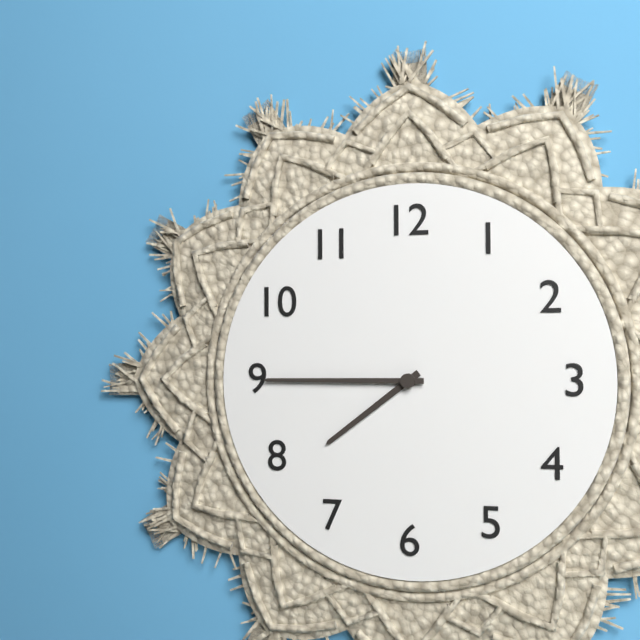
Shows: h=7 m=45
